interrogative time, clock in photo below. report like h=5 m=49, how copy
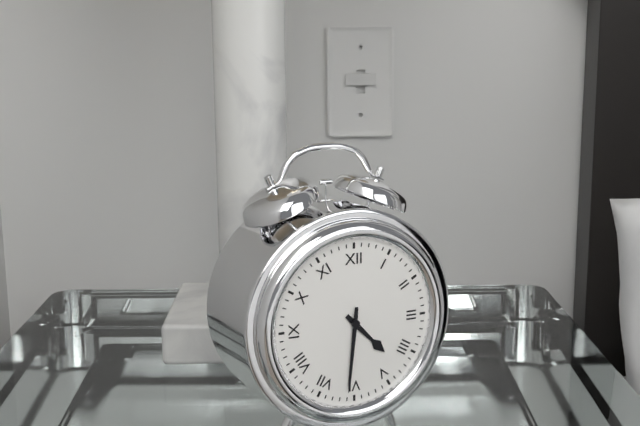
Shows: h=4 m=31
